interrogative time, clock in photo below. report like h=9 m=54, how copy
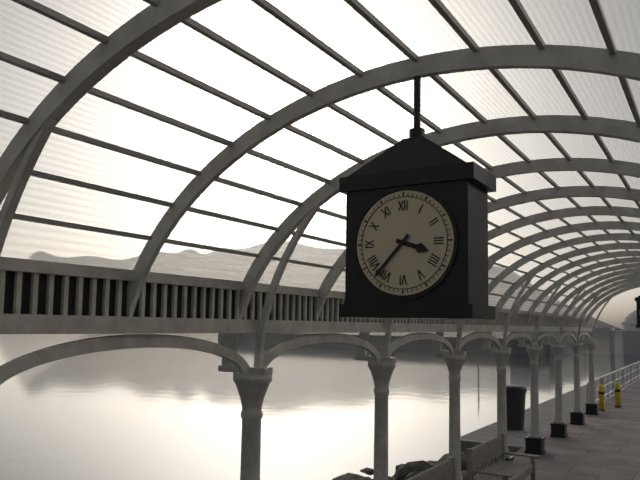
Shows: h=3 m=37
